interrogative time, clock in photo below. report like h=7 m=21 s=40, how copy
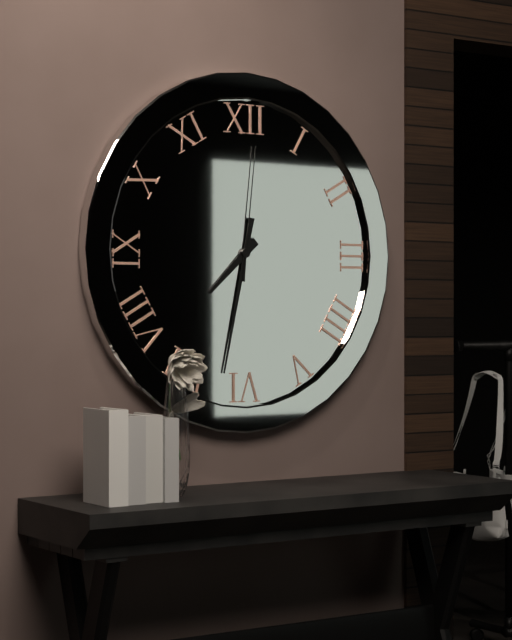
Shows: h=7 m=32 s=1
